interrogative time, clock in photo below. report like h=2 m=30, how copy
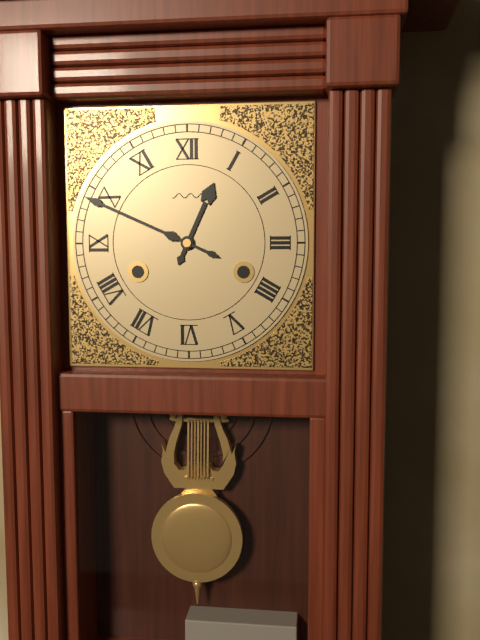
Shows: h=12 m=49
